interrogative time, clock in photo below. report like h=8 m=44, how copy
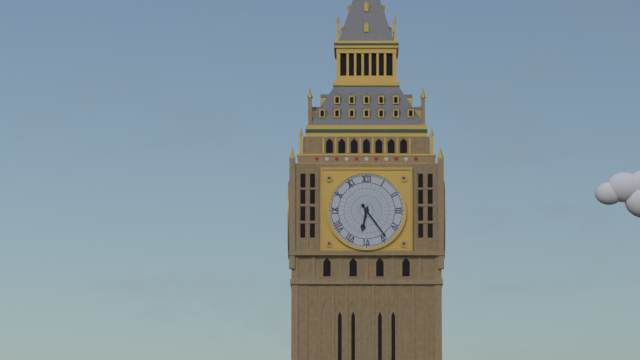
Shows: h=6 m=24
